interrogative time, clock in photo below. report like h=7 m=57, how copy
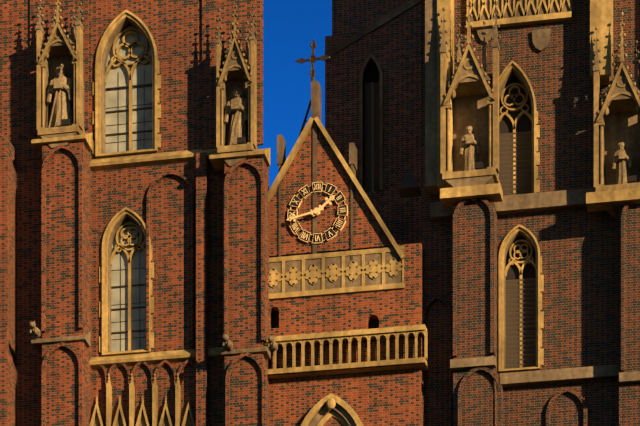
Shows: h=1 m=43
